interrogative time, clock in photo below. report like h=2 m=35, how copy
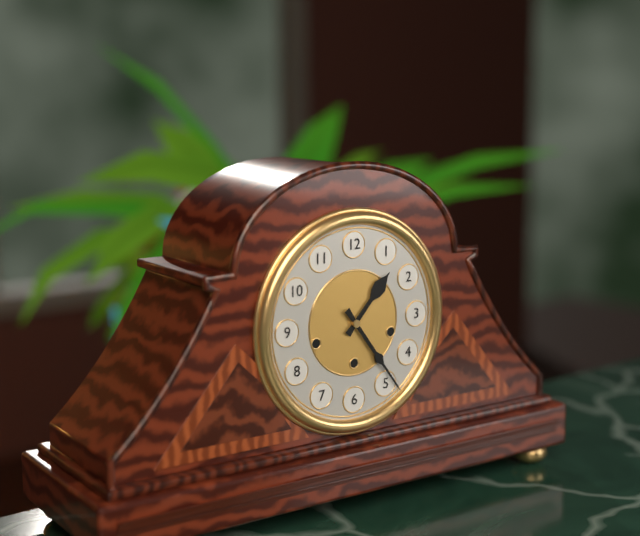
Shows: h=1 m=24
